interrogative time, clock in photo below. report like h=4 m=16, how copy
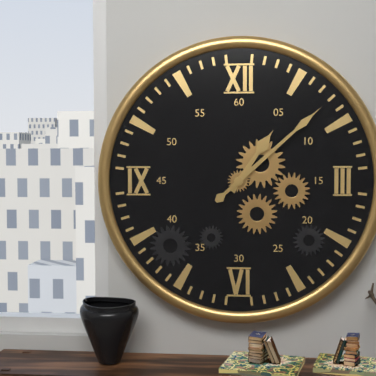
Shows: h=1 m=8
